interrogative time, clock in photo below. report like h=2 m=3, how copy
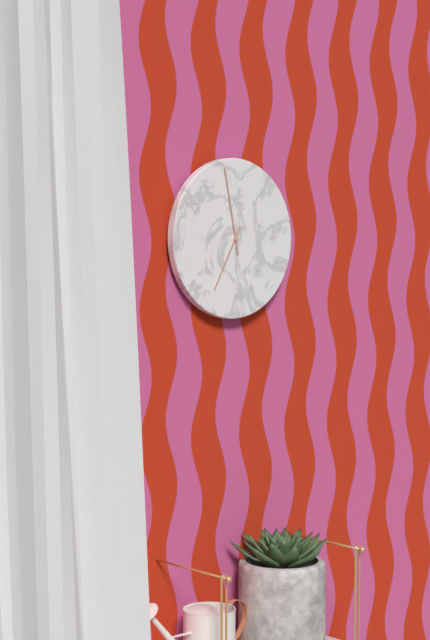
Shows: h=6 m=58
